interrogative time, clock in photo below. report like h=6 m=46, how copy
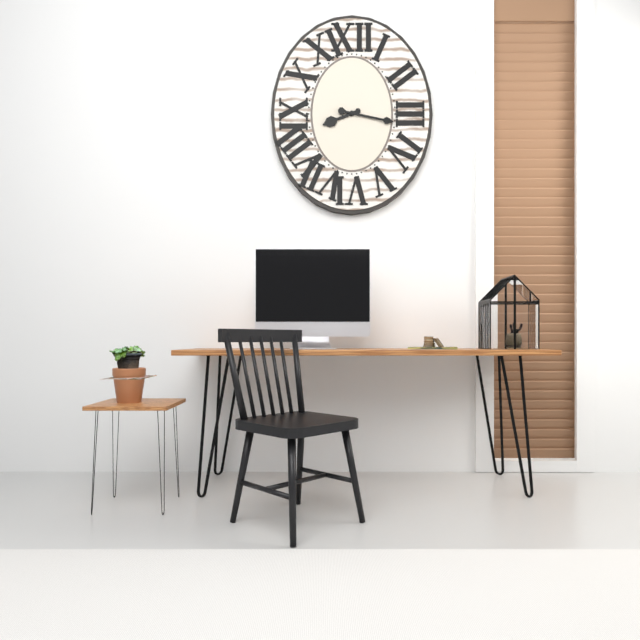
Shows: h=8 m=17
